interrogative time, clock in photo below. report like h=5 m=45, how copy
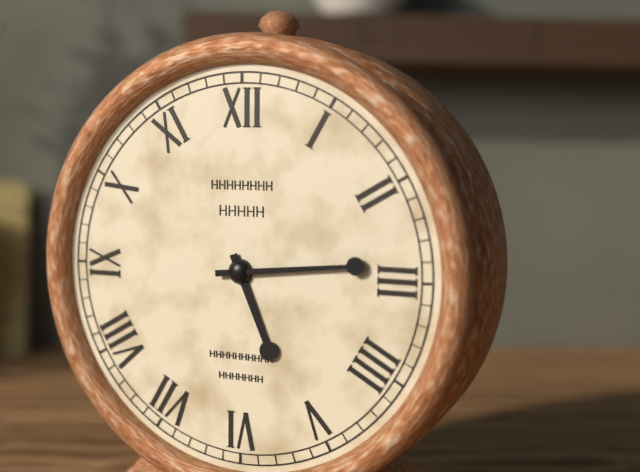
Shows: h=5 m=14
